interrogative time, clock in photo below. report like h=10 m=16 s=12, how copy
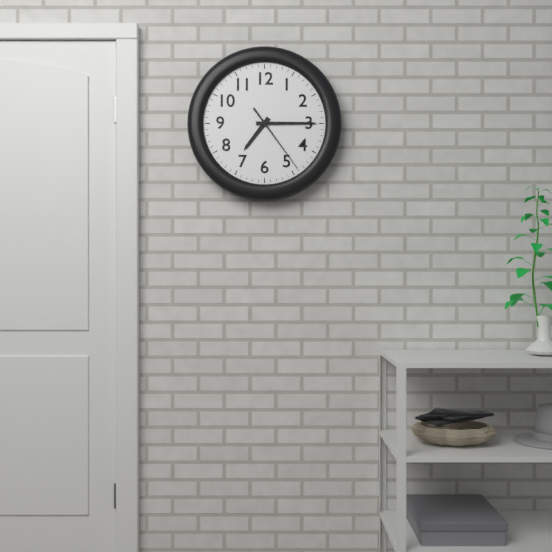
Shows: h=7 m=15 s=24
